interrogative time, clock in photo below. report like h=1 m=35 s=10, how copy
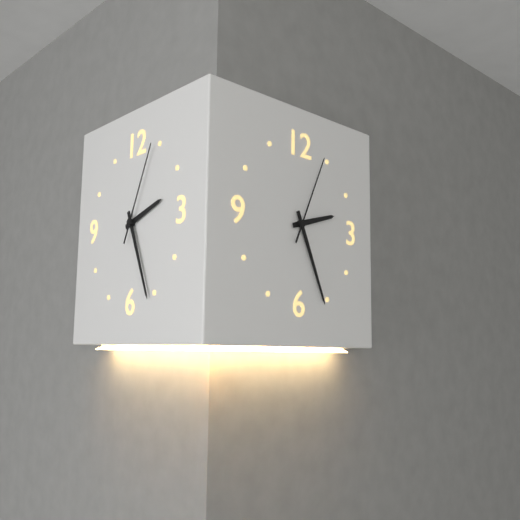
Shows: h=2 m=26 s=4
